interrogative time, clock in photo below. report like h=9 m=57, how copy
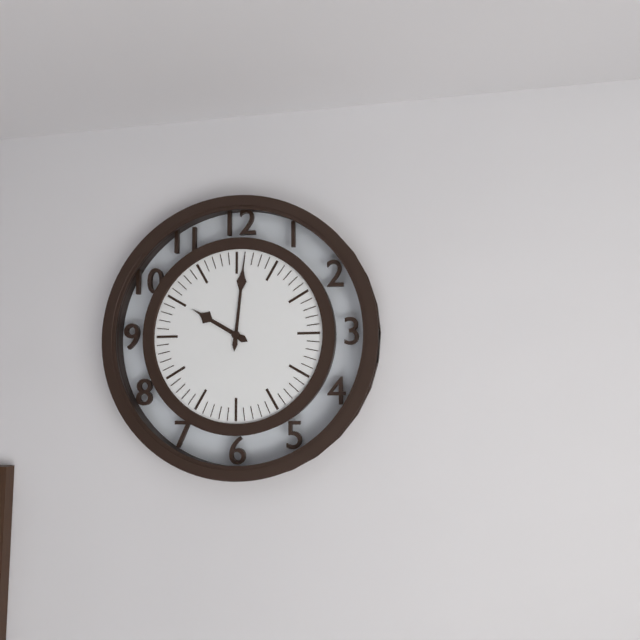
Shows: h=10 m=1
